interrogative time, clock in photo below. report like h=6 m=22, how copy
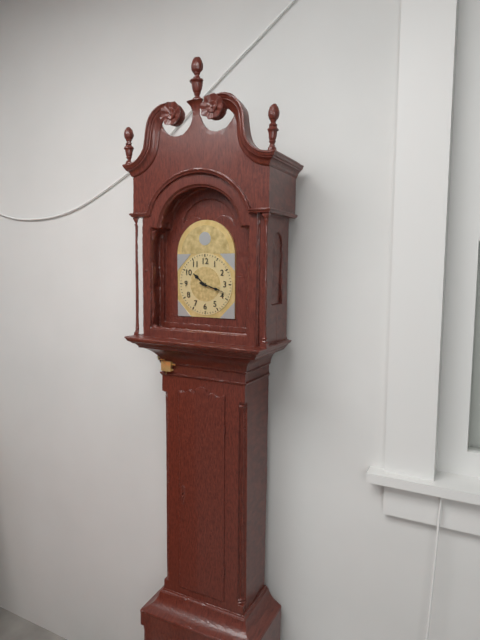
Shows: h=10 m=18
